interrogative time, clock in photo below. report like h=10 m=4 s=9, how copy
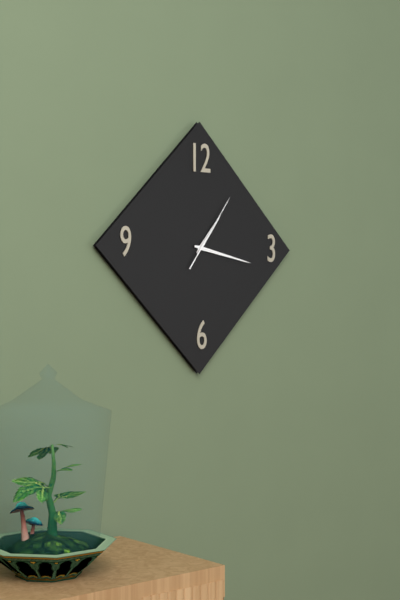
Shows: h=1 m=17 s=6
